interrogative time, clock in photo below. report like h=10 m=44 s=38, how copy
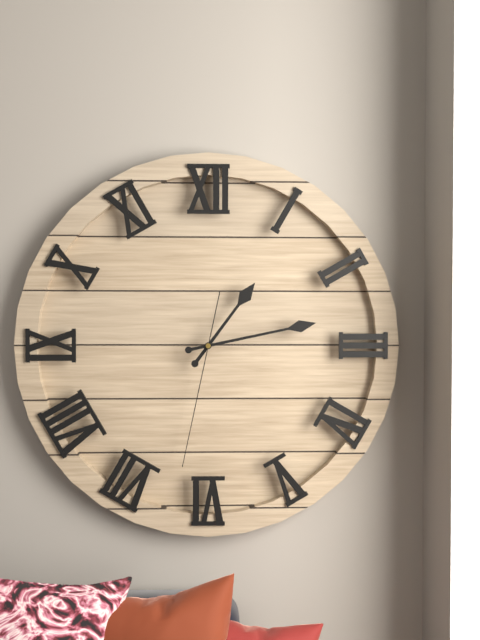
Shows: h=1 m=13 s=32
